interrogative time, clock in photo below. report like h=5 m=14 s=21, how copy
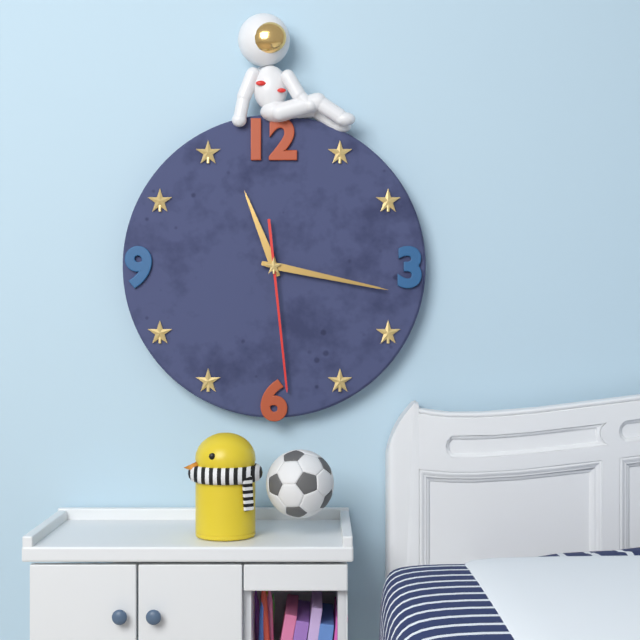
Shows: h=11 m=17 s=29
